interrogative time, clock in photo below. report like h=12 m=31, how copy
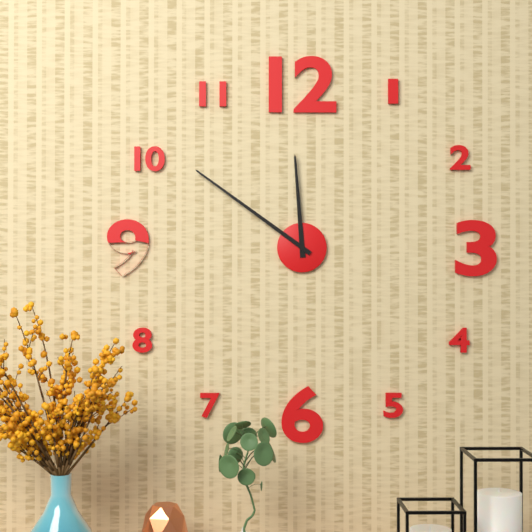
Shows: h=11 m=51
